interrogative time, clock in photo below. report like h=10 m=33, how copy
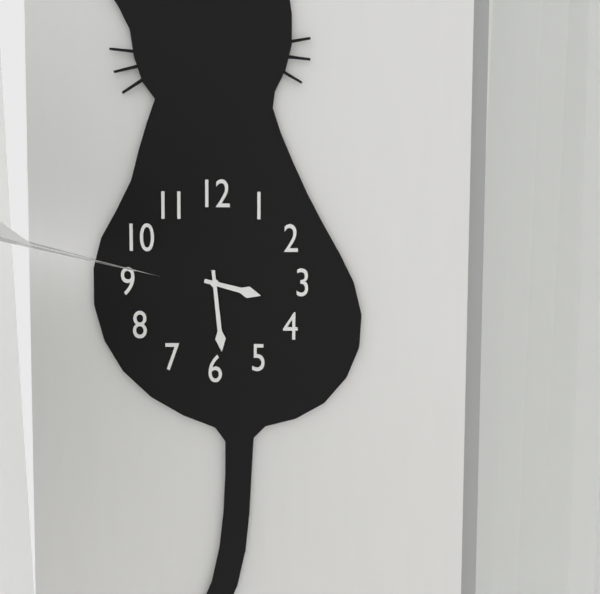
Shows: h=3 m=29
